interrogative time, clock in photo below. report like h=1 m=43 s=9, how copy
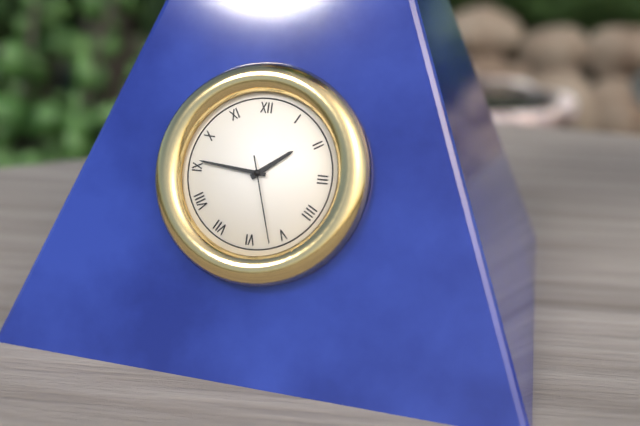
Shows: h=1 m=46 s=27
